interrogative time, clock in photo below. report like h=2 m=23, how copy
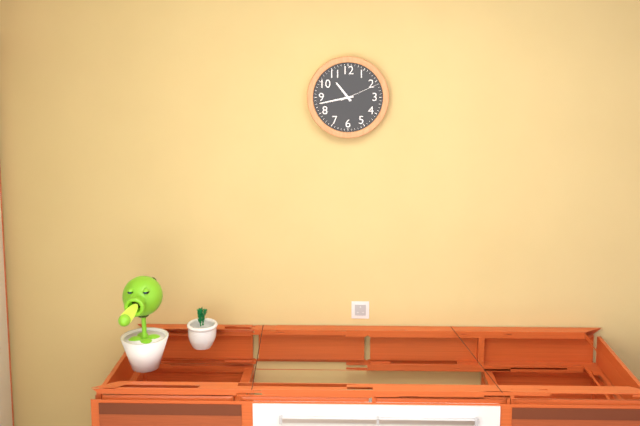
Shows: h=10 m=43
